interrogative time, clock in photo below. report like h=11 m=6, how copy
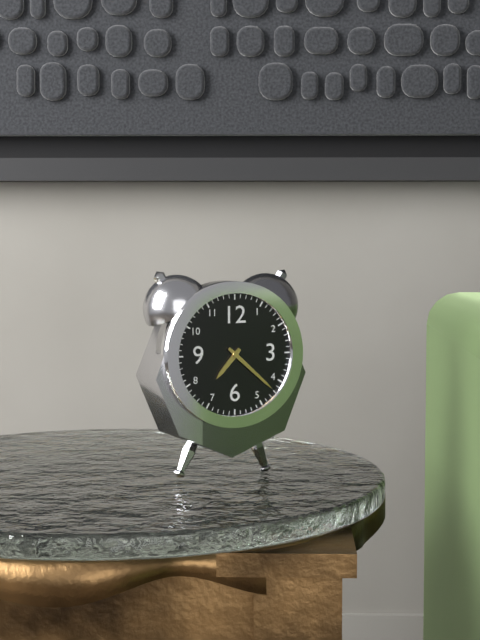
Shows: h=7 m=22
